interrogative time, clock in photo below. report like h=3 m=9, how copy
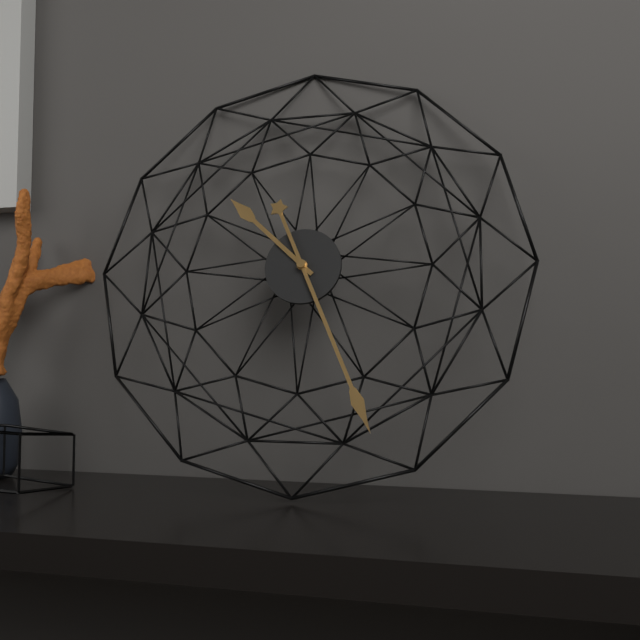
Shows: h=10 m=26
